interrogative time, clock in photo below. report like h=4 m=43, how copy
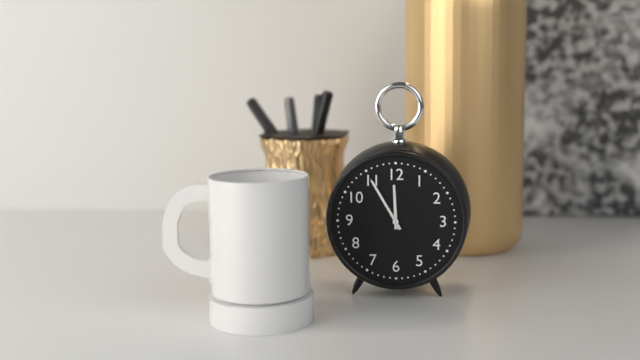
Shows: h=11 m=55
